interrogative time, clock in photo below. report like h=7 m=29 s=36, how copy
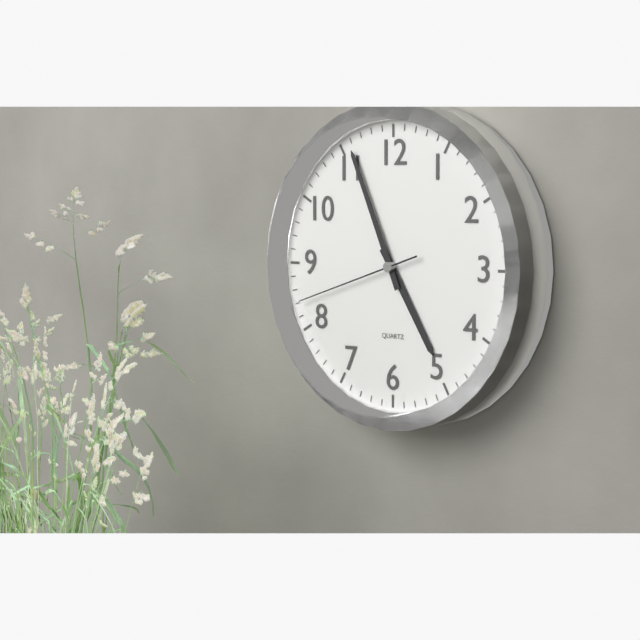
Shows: h=4 m=56 s=42
